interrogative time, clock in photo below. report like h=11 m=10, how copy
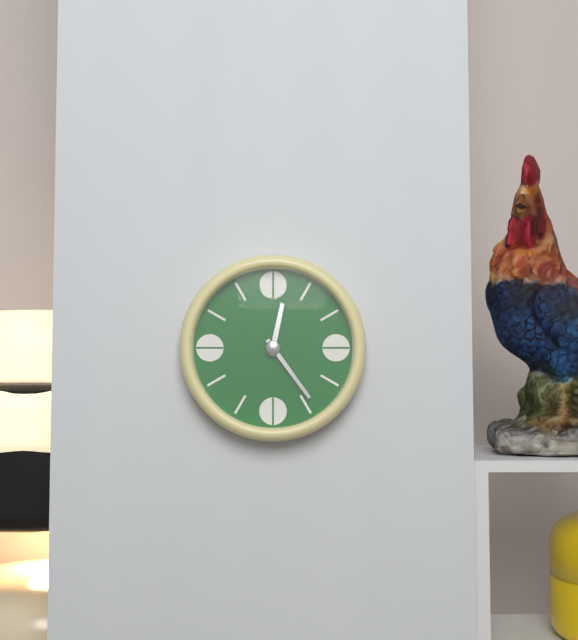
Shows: h=12 m=24
